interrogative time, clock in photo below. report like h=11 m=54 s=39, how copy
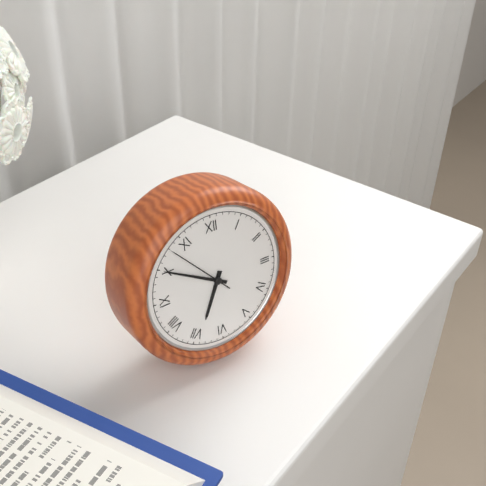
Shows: h=6 m=50 s=53
